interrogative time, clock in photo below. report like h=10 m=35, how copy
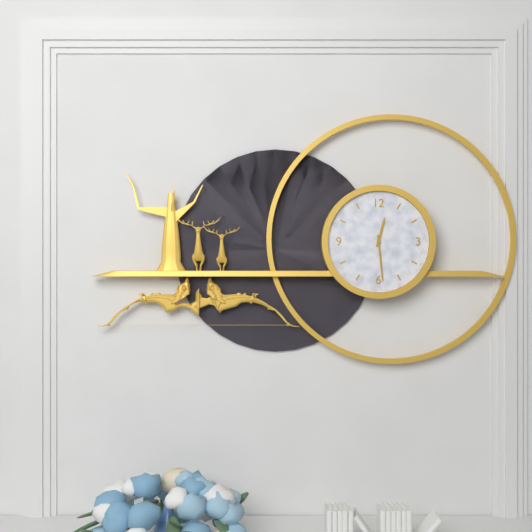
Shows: h=12 m=29
